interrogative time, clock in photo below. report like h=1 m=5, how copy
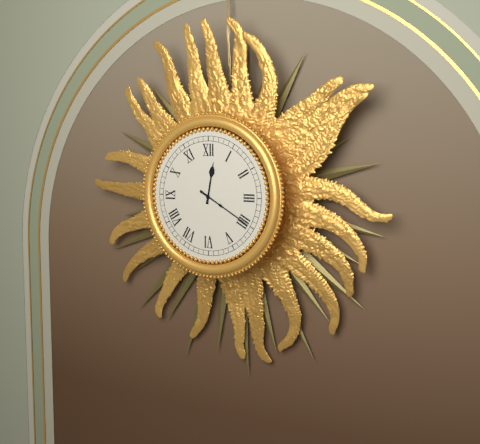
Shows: h=12 m=20
